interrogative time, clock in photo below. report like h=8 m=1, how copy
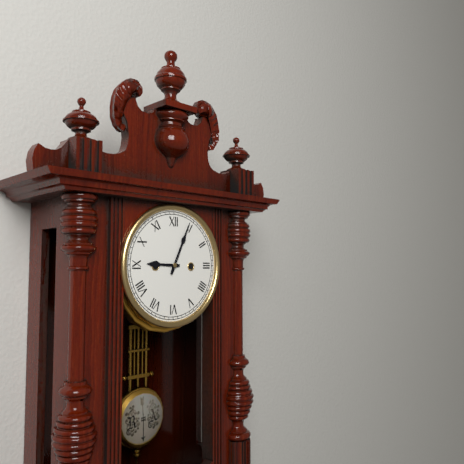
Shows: h=9 m=4
